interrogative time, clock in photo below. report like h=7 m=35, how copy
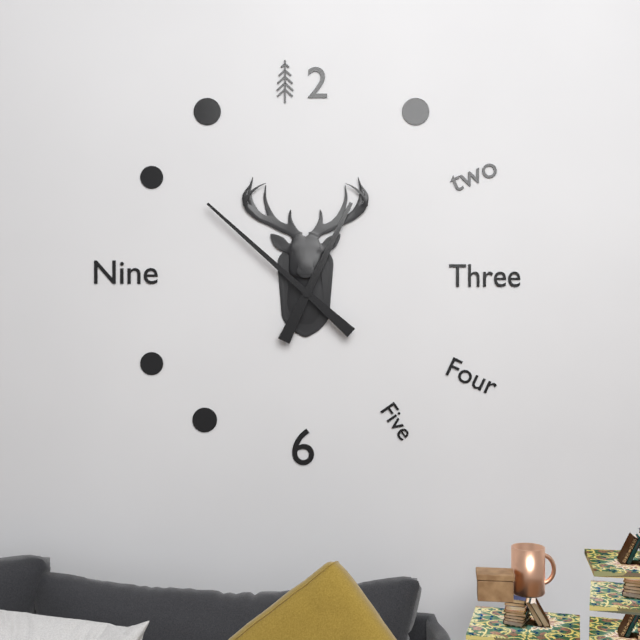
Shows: h=12 m=52
